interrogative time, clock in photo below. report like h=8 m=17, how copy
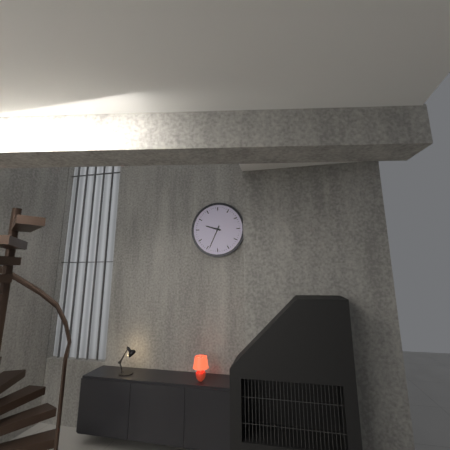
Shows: h=9 m=34
